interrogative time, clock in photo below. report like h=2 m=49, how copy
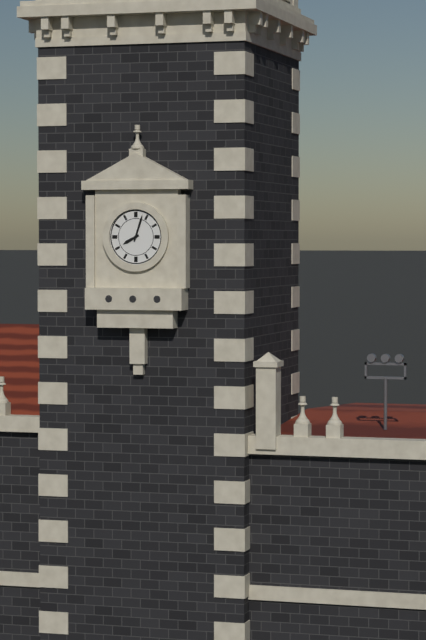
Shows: h=8 m=3
